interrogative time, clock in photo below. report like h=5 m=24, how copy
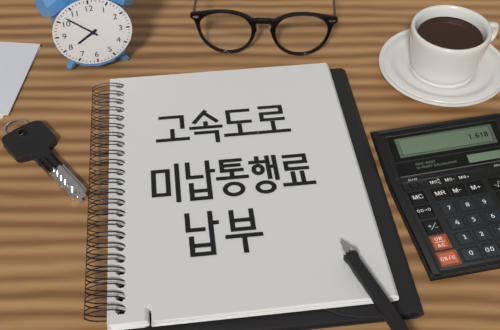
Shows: h=7 m=52
